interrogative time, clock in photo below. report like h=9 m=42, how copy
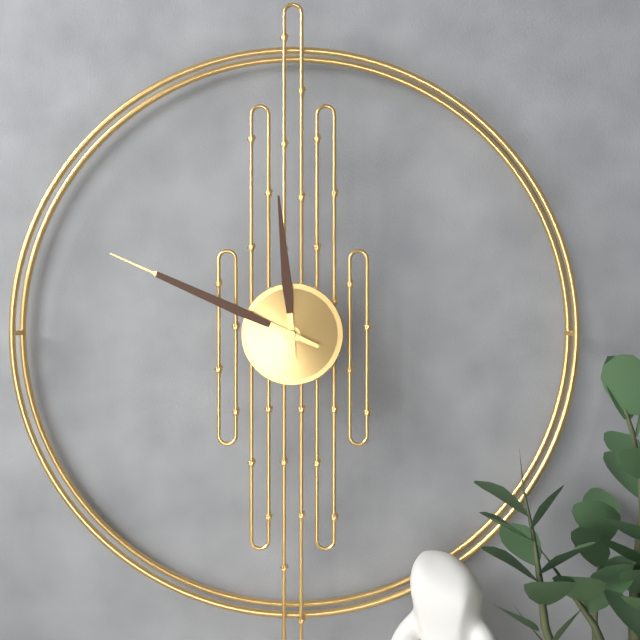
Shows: h=11 m=49
